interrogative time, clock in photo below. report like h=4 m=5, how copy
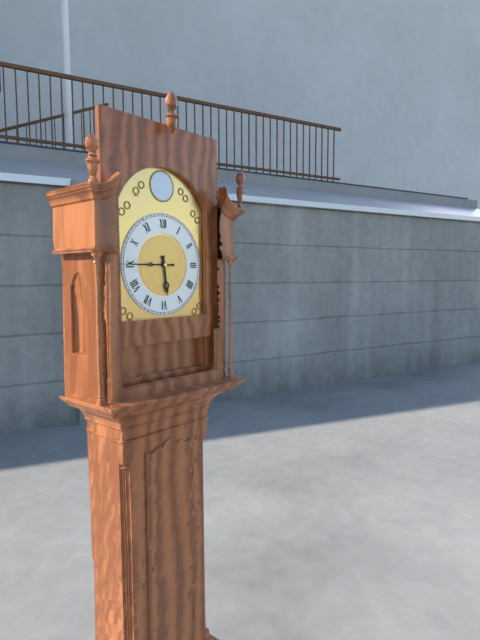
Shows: h=5 m=45
